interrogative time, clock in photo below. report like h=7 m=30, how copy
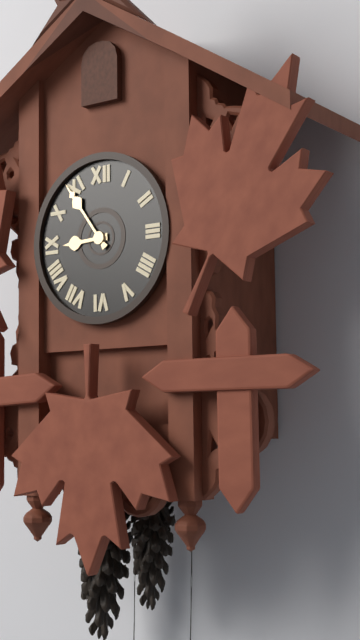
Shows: h=8 m=54
